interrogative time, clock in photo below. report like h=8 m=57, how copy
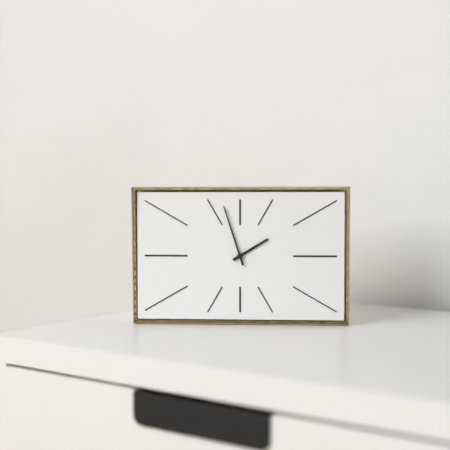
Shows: h=1 m=57
